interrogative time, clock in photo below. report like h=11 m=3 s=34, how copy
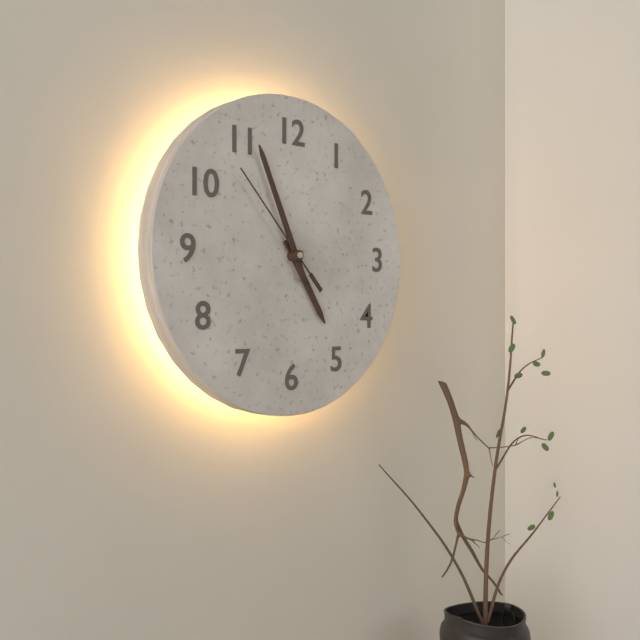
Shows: h=4 m=56 s=53
